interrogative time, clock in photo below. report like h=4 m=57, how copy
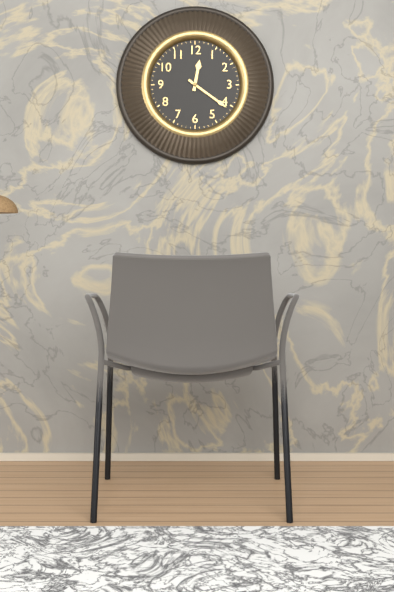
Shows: h=12 m=21
